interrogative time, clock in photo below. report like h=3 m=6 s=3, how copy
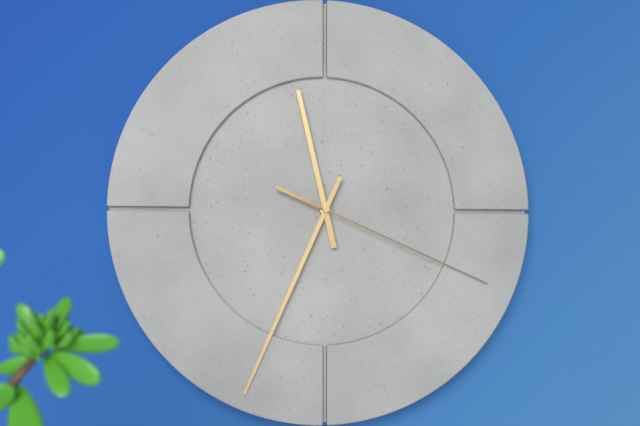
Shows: h=11 m=34 s=19
